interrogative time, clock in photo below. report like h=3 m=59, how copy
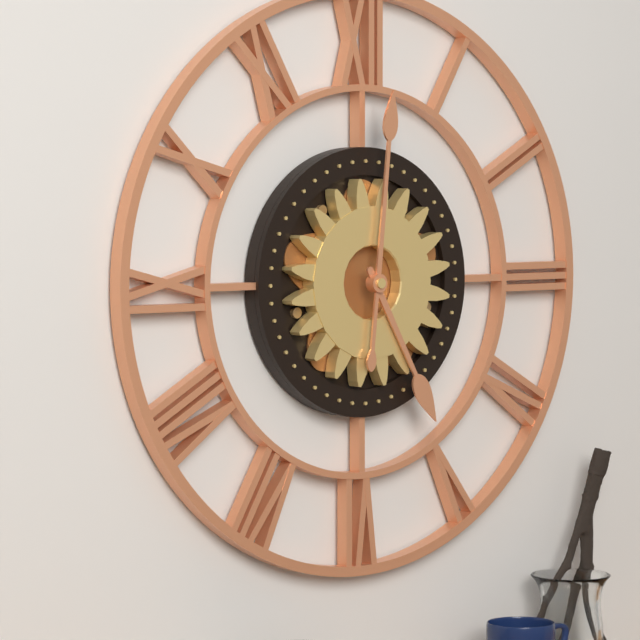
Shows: h=5 m=1
